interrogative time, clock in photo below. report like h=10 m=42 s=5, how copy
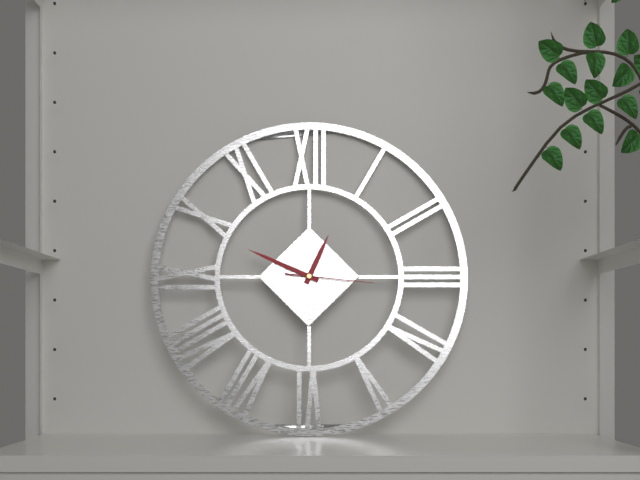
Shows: h=12 m=49 s=16
